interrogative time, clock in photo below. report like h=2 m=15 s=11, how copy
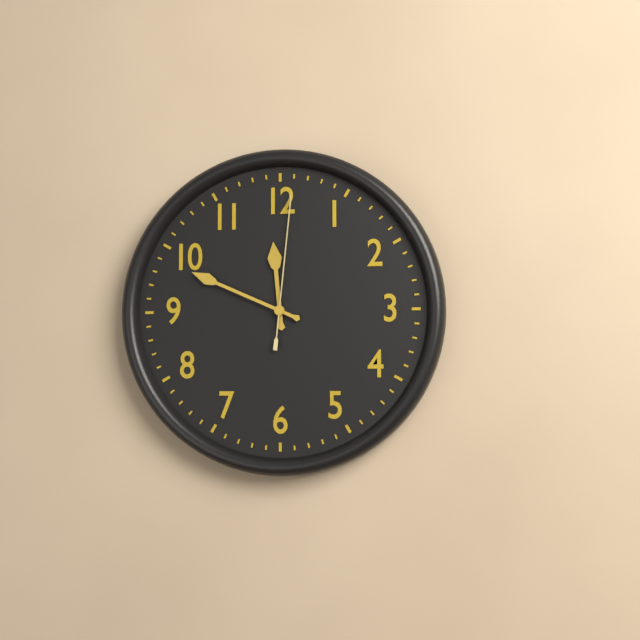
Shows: h=11 m=49 s=1
